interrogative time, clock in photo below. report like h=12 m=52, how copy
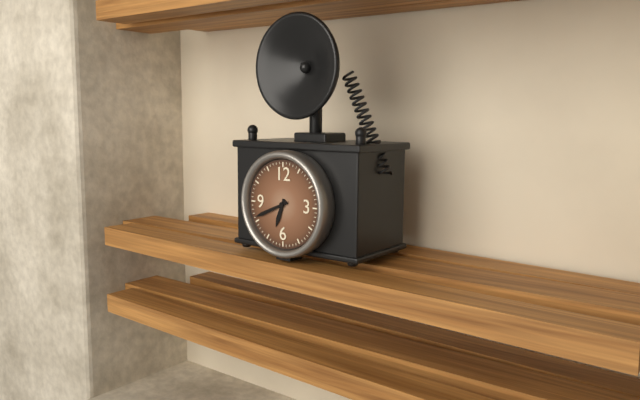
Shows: h=6 m=41
